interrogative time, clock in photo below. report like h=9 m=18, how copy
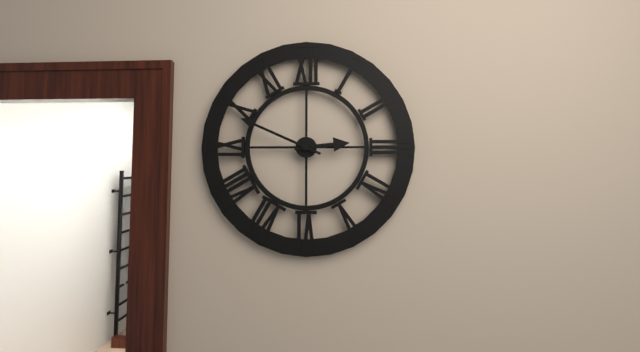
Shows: h=2 m=49
